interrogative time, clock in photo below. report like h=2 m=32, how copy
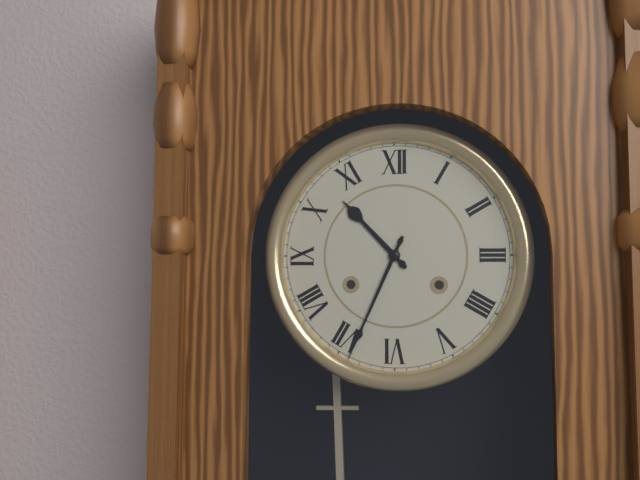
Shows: h=10 m=34
